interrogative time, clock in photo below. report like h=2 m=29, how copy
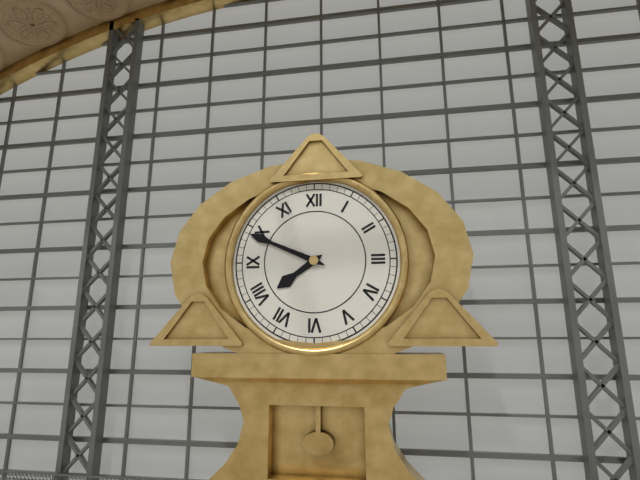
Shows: h=7 m=49
